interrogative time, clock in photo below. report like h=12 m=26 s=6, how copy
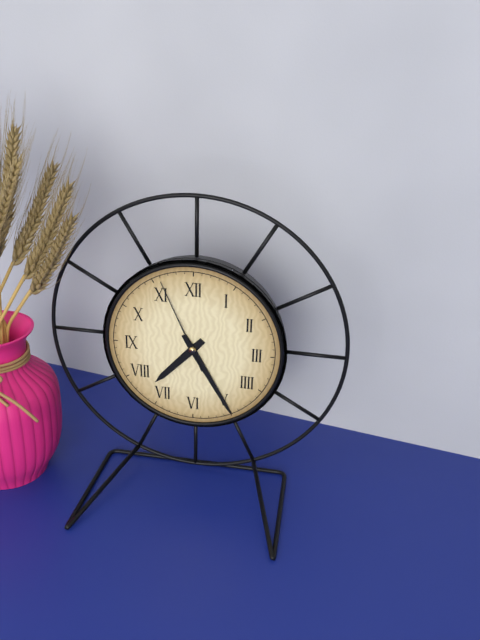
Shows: h=7 m=25 s=56
